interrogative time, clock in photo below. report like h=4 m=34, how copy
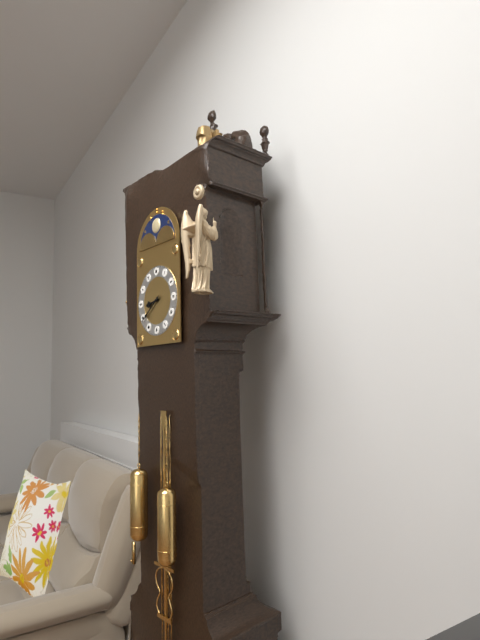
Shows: h=8 m=39
